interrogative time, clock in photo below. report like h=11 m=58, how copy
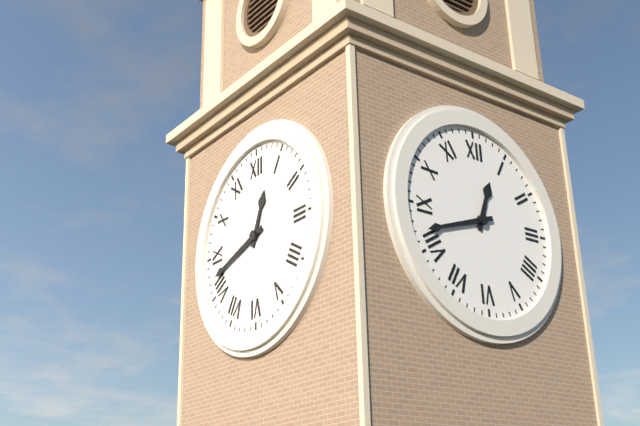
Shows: h=12 m=42
